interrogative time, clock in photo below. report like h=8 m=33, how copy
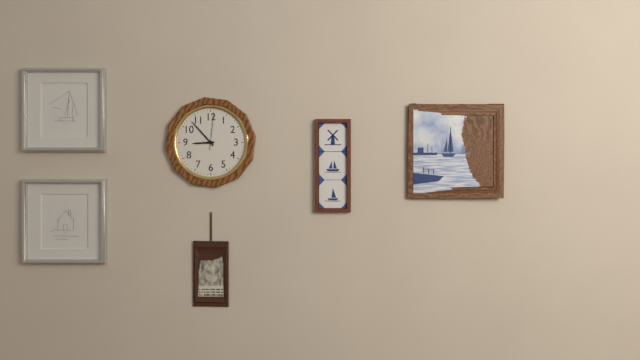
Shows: h=8 m=53
